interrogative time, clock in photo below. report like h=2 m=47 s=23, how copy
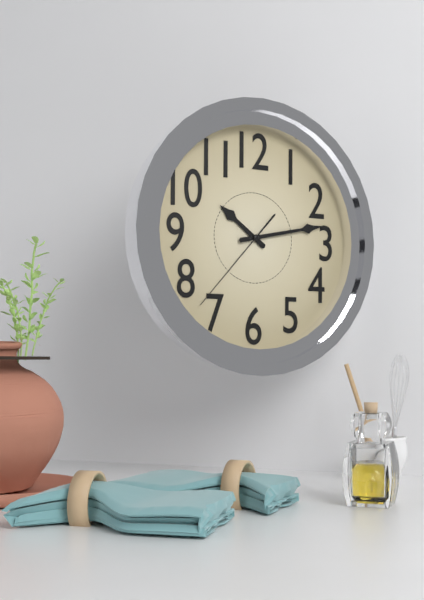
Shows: h=10 m=13 s=37
